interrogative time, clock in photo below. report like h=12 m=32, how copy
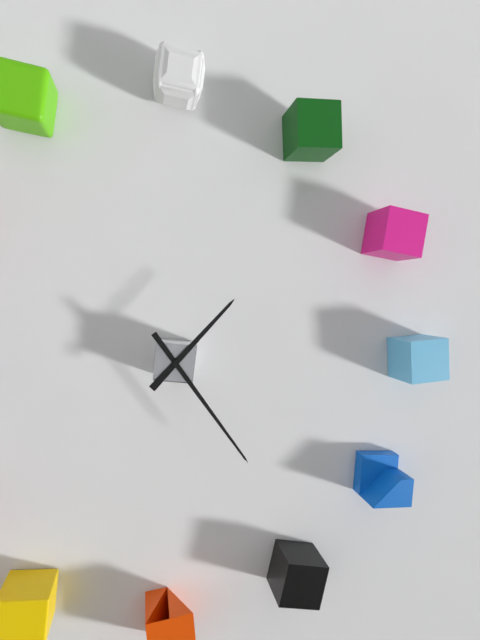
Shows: h=1 m=24
